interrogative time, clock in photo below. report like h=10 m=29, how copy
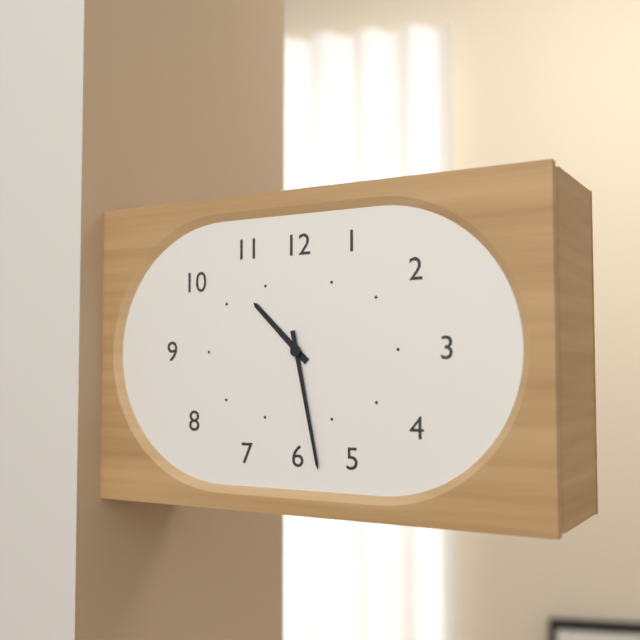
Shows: h=10 m=28
